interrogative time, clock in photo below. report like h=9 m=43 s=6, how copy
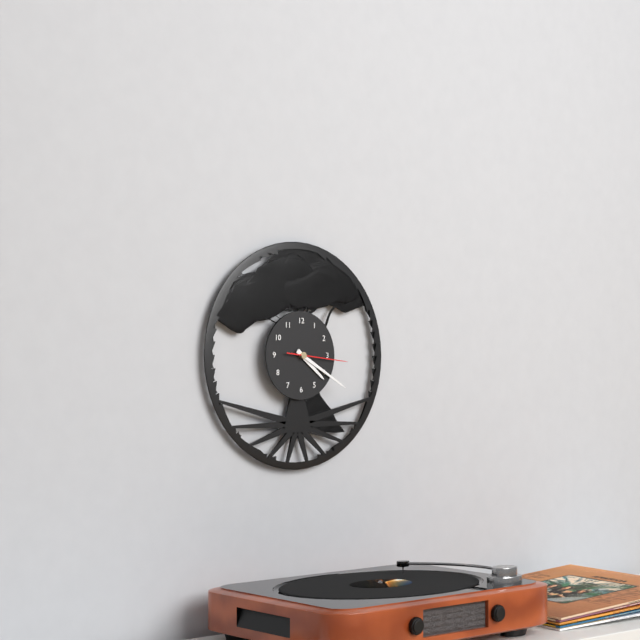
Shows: h=4 m=20 s=16
